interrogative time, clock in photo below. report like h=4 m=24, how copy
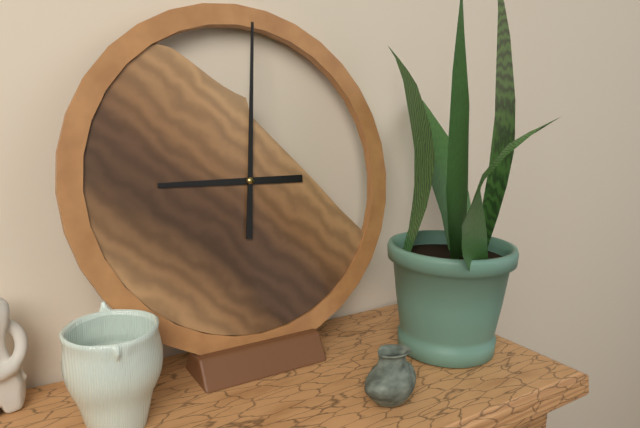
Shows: h=9 m=1
